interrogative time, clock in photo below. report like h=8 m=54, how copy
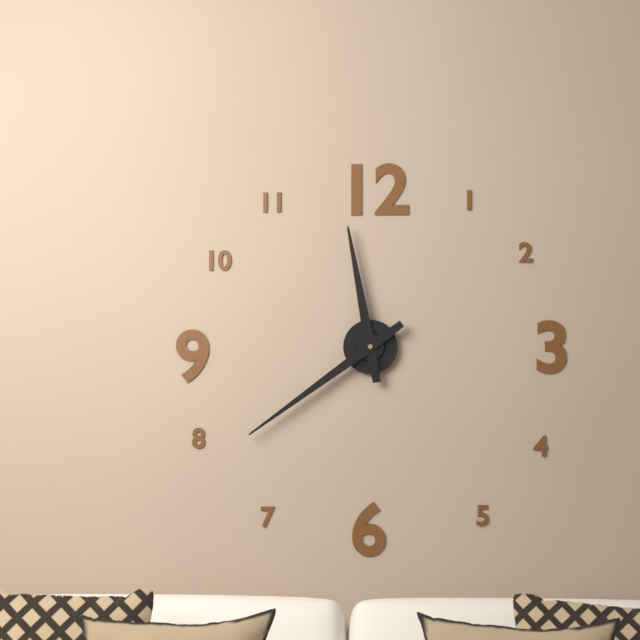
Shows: h=11 m=39
